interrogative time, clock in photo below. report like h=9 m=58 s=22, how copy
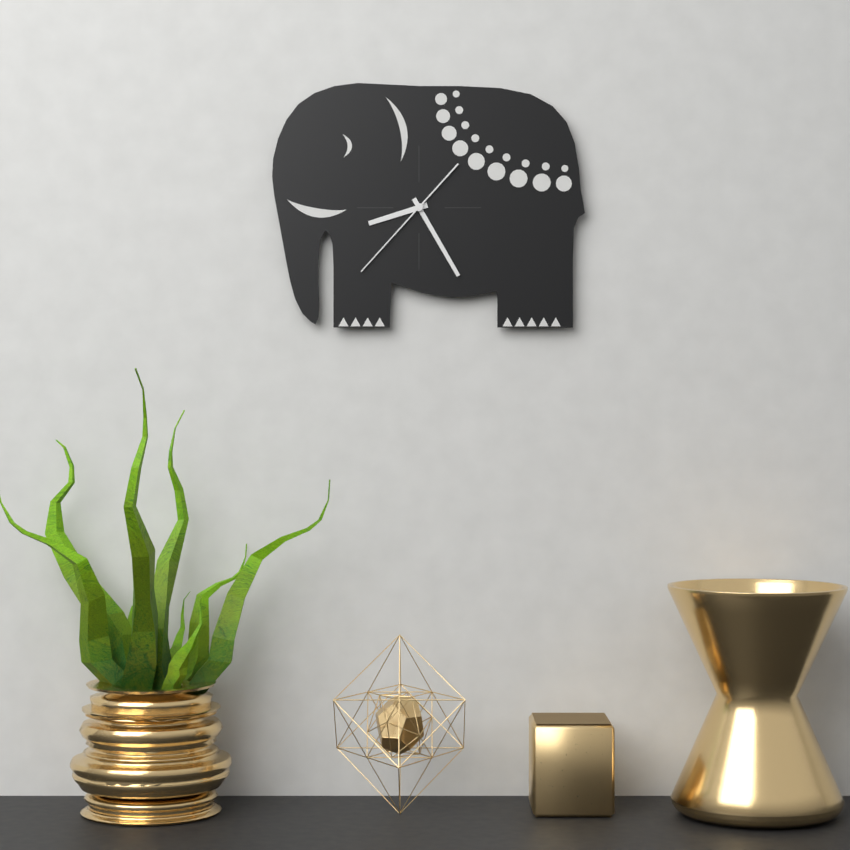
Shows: h=8 m=25 s=37
